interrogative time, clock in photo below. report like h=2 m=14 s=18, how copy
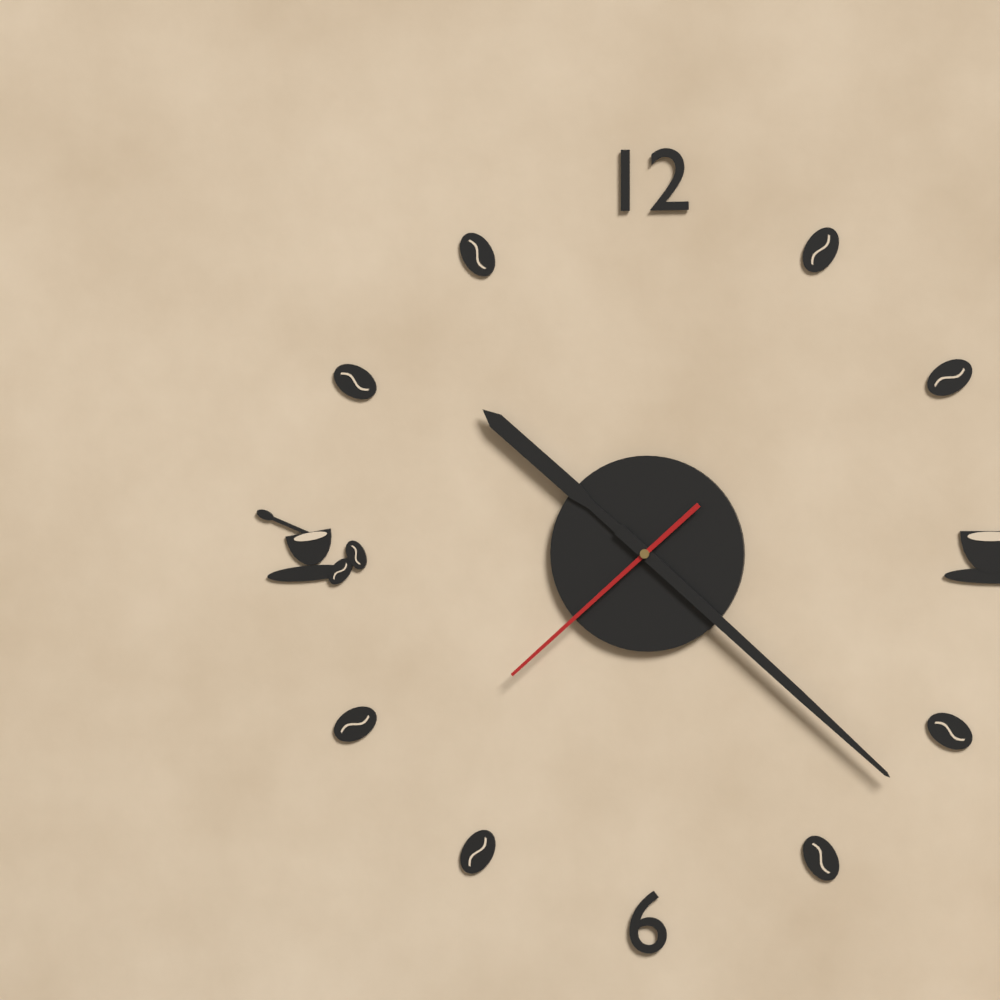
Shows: h=10 m=22 s=38
